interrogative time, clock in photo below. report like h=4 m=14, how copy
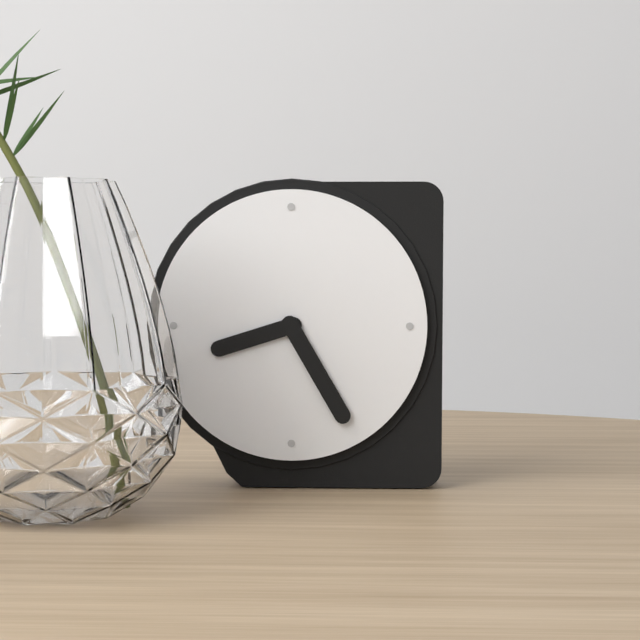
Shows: h=8 m=25
